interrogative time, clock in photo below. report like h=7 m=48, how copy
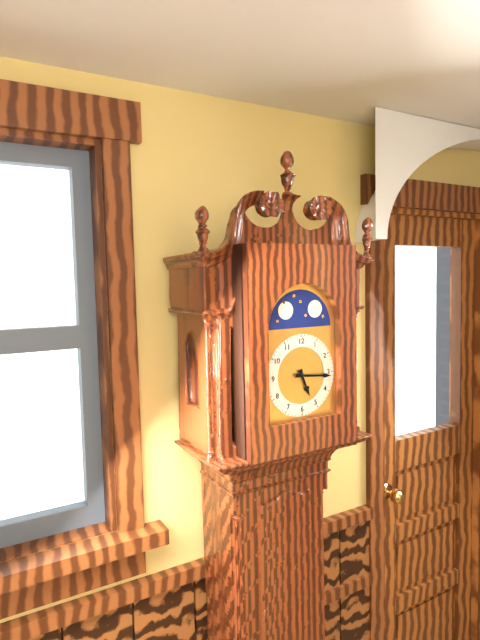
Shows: h=5 m=16
